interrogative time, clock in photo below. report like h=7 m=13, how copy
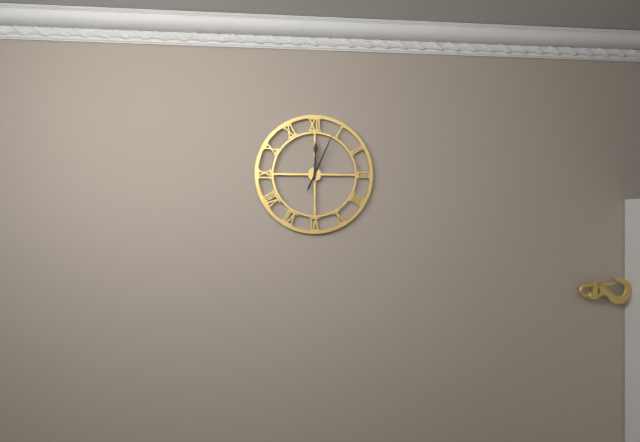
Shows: h=12 m=4
